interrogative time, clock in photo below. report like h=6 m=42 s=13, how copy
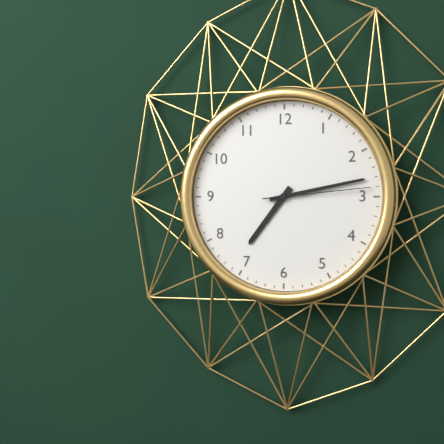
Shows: h=7 m=13 s=14
